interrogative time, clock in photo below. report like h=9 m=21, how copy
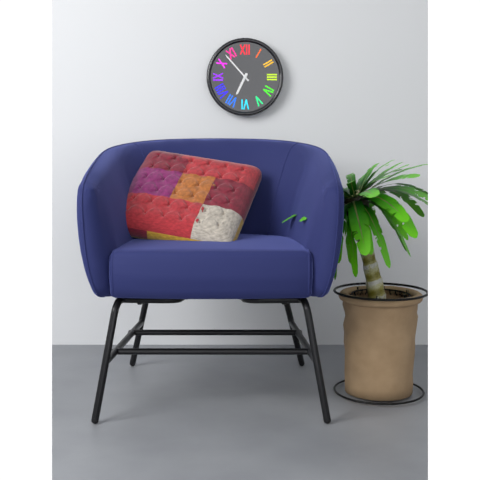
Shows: h=6 m=53
